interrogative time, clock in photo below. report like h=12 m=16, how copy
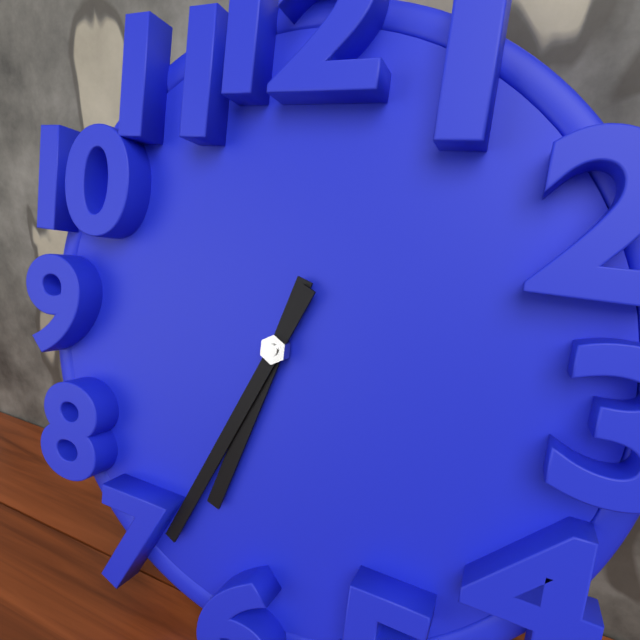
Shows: h=6 m=34
